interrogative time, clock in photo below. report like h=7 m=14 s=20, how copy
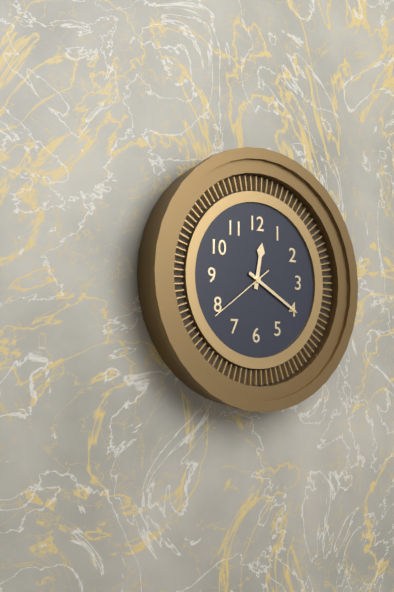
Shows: h=12 m=20 s=39
